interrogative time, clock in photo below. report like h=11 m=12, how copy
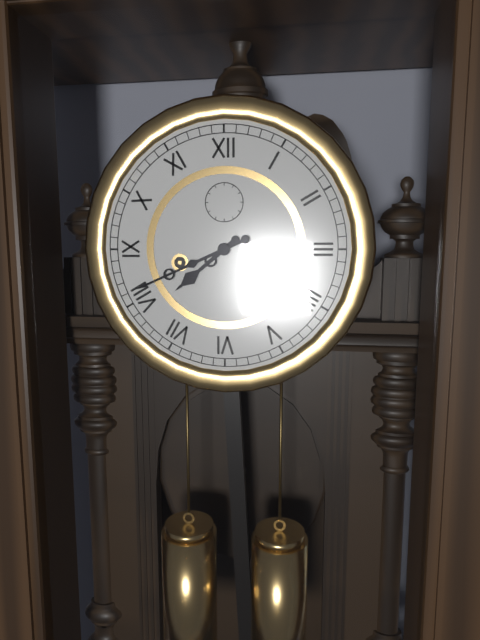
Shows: h=7 m=41
